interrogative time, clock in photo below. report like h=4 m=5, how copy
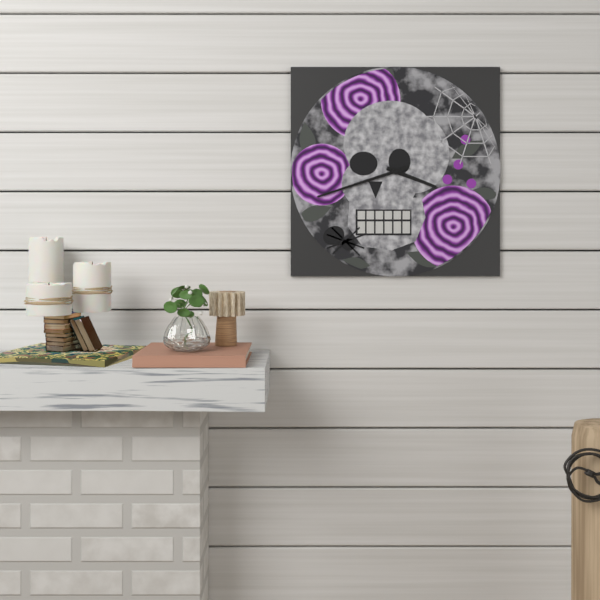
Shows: h=3 m=42
